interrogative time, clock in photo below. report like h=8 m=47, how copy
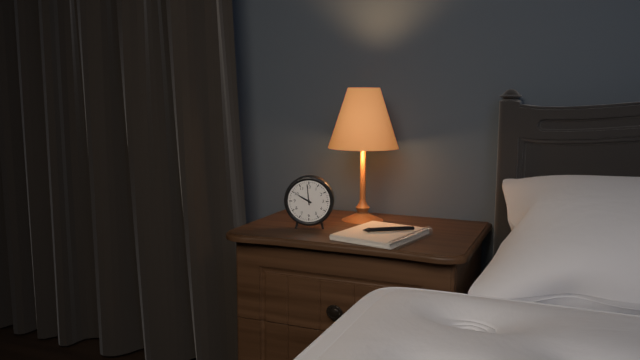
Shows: h=9 m=59
